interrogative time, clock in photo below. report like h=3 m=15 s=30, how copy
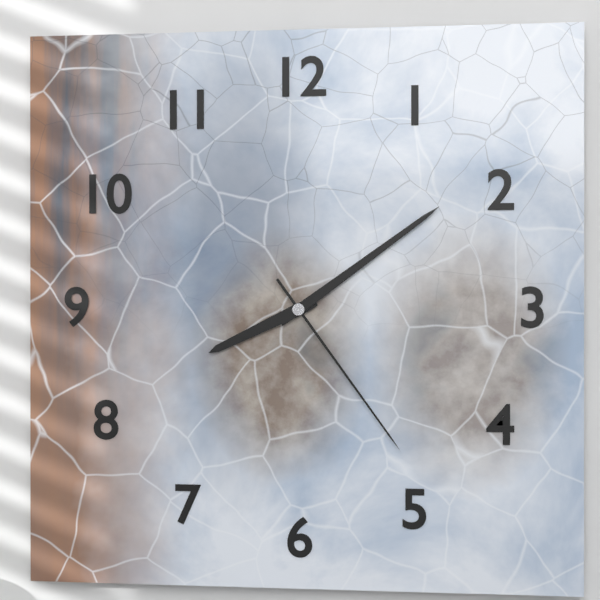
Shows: h=8 m=9 s=24
